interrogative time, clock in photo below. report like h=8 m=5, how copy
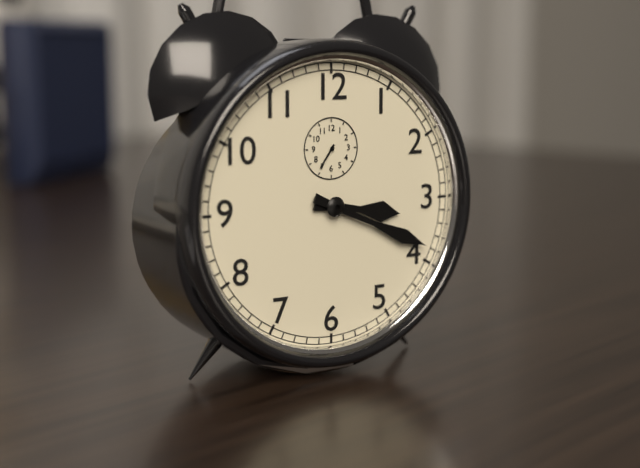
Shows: h=3 m=19
